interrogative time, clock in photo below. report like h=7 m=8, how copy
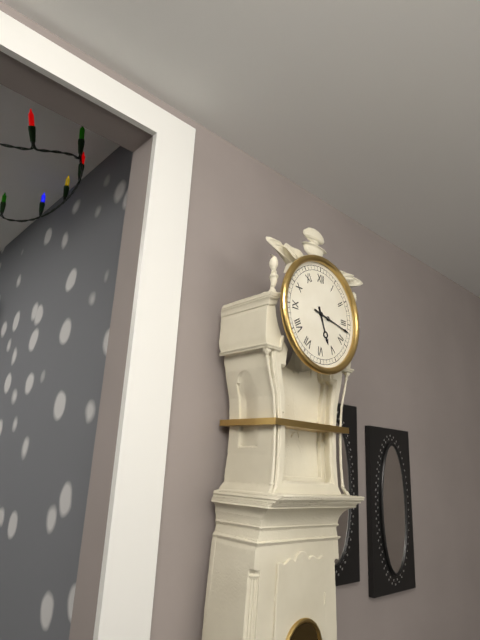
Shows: h=5 m=17
